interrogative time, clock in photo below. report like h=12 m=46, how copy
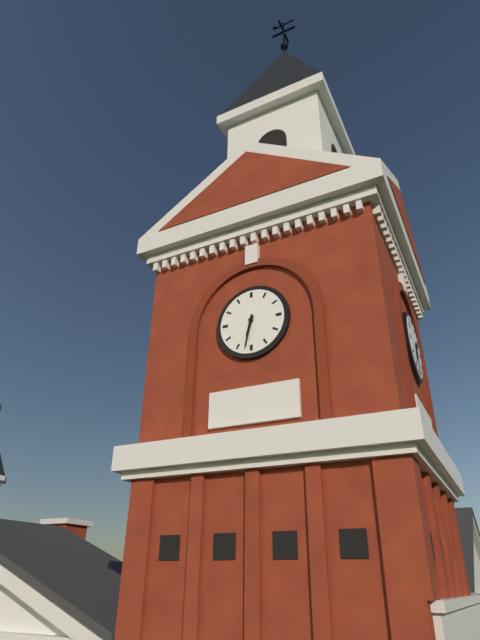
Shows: h=6 m=32
